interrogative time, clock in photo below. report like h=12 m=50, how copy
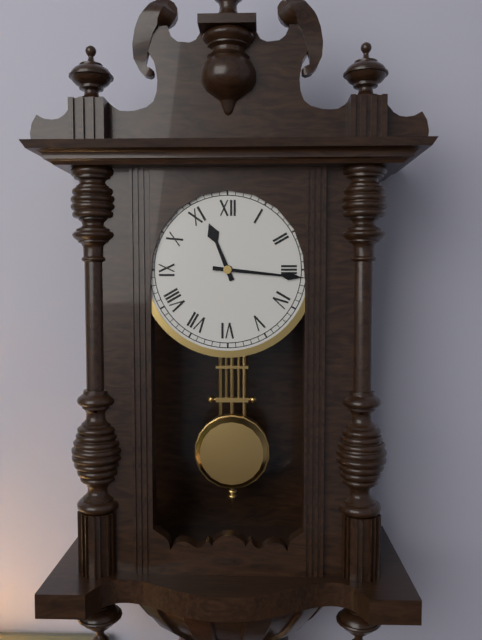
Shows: h=11 m=16
